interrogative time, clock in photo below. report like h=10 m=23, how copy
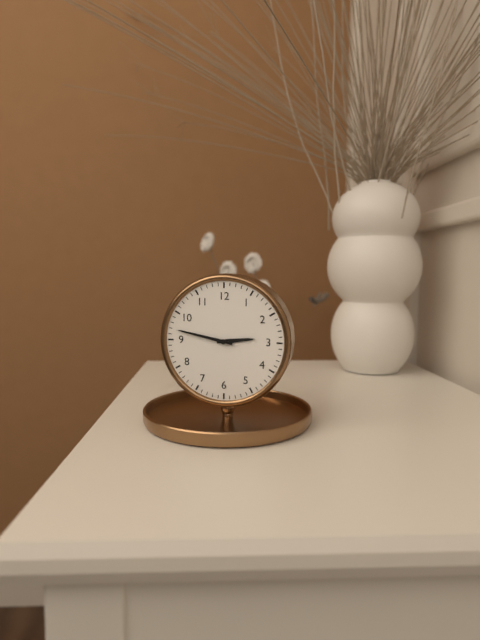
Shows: h=2 m=47
